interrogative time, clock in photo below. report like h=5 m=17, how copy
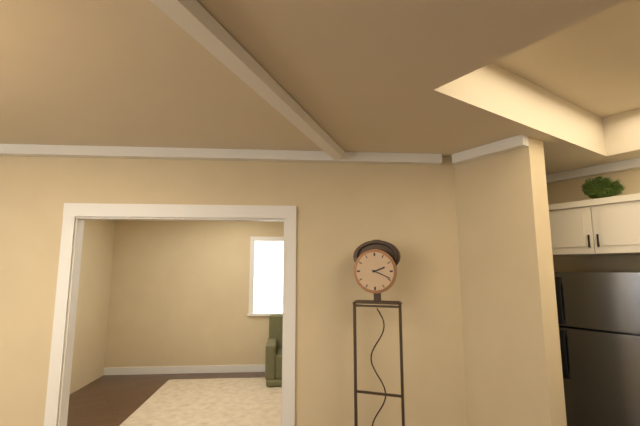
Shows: h=2 m=19
